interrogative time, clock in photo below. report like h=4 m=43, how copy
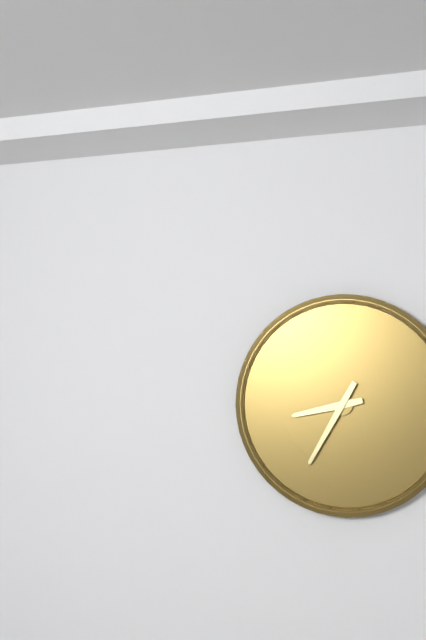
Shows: h=8 m=35
